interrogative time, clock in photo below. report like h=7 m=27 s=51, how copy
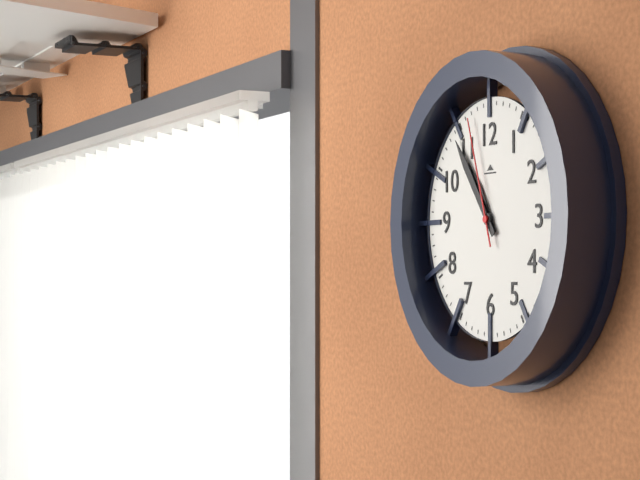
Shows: h=10 m=54 s=57
